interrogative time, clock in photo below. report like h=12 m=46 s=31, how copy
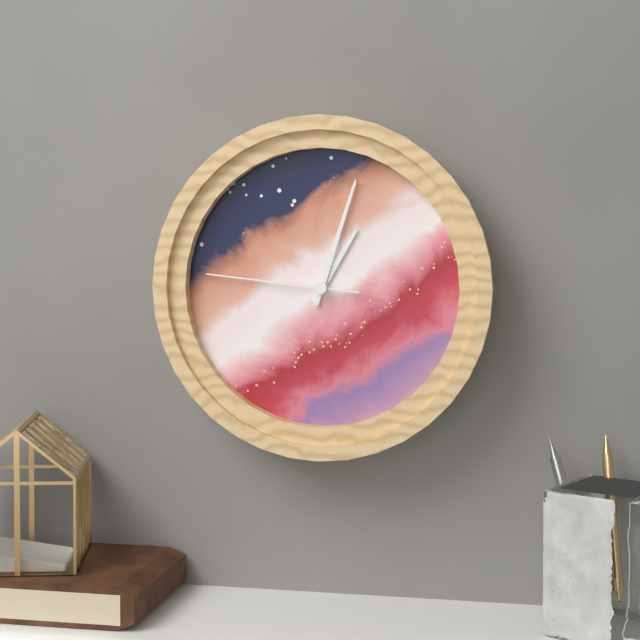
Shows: h=1 m=3 s=46
